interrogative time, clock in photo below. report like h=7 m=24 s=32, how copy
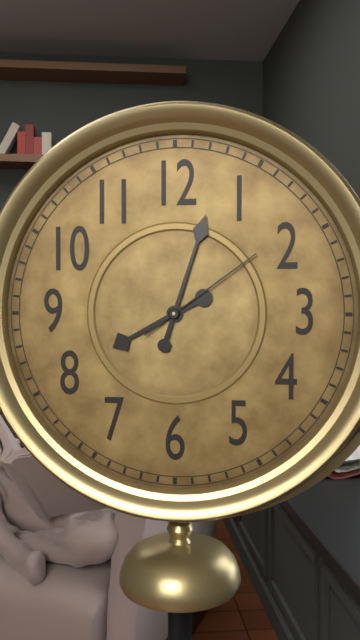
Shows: h=8 m=3 s=9
